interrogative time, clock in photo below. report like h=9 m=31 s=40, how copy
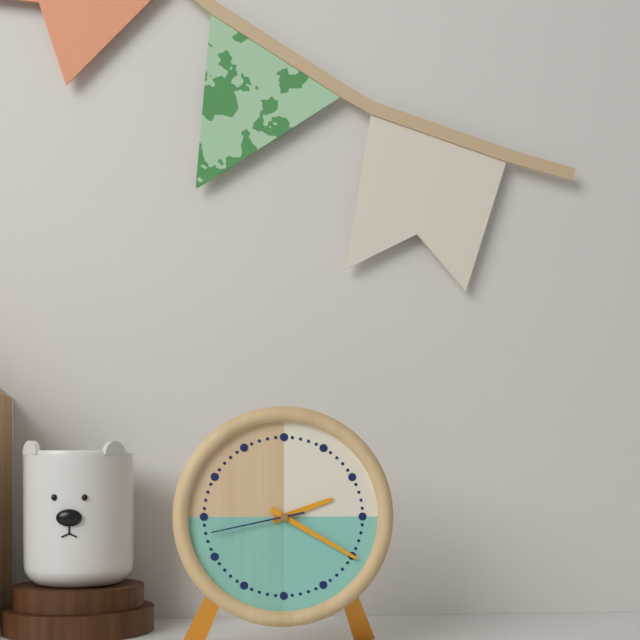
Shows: h=2 m=20 s=43
